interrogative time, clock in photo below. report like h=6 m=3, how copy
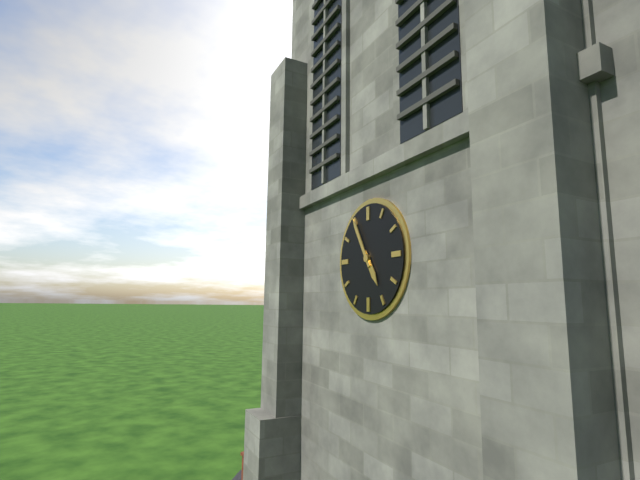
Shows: h=4 m=55
